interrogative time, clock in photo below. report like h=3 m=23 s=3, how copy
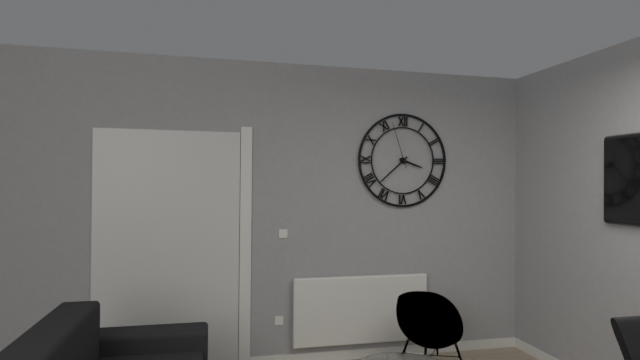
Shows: h=3 m=38 s=57
